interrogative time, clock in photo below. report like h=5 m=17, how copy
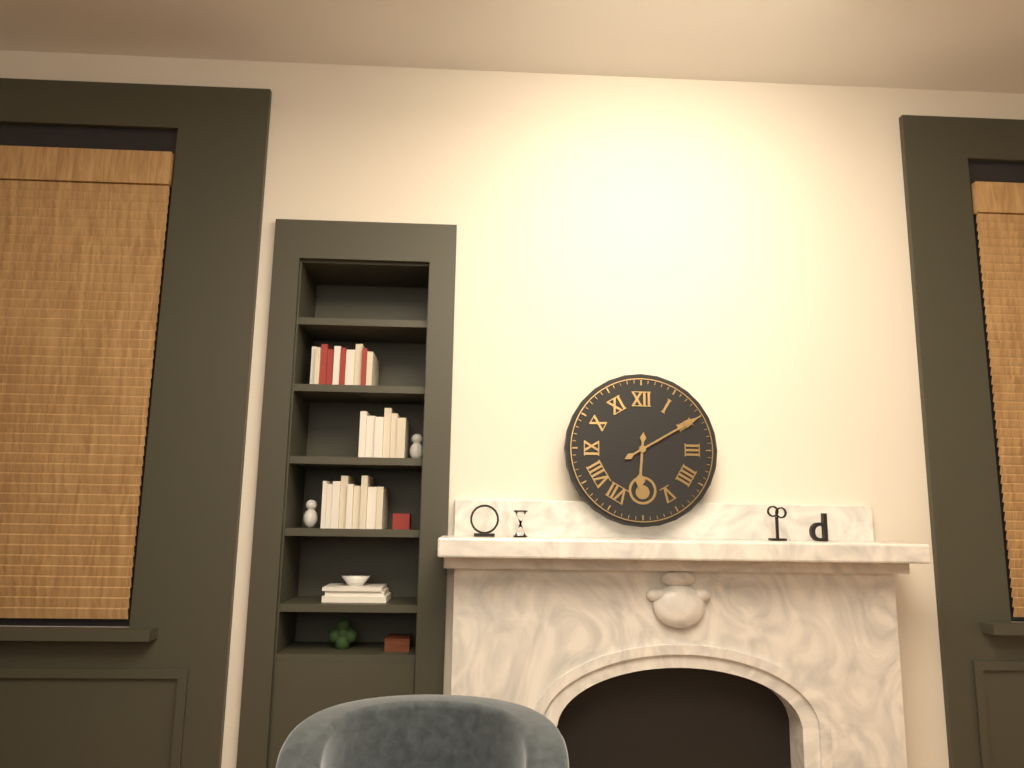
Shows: h=6 m=10
